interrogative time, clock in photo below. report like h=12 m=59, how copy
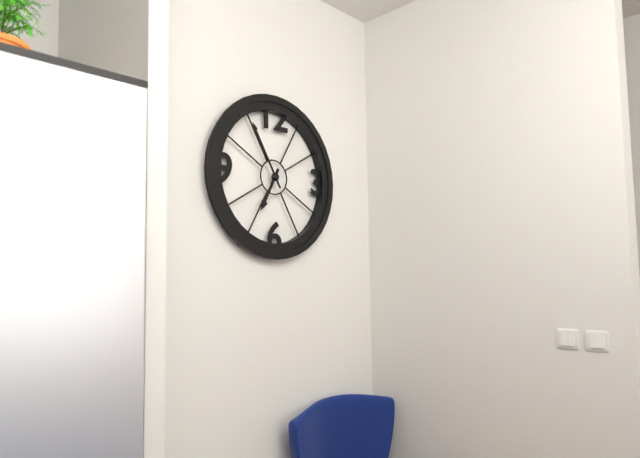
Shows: h=6 m=55
